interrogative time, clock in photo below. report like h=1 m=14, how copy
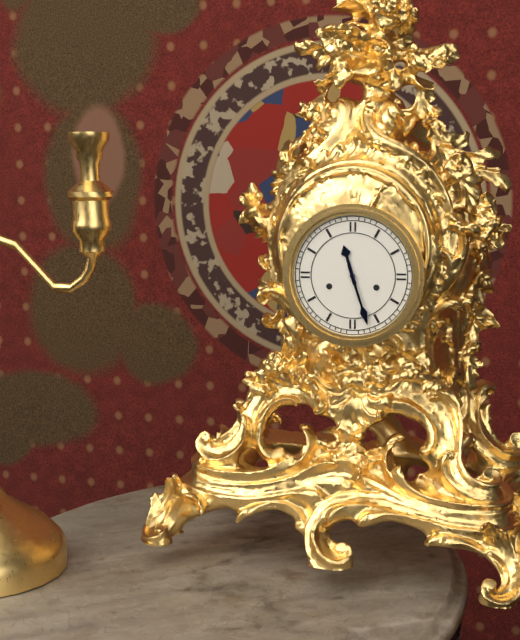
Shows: h=11 m=27
